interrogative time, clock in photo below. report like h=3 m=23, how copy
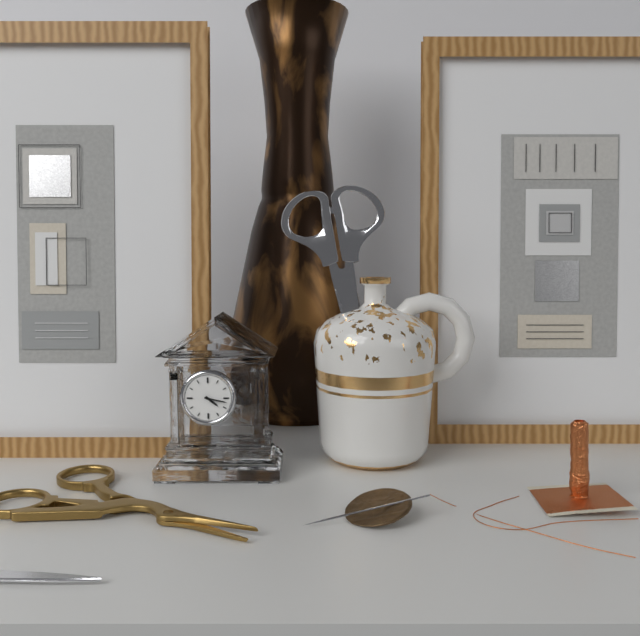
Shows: h=4 m=17
